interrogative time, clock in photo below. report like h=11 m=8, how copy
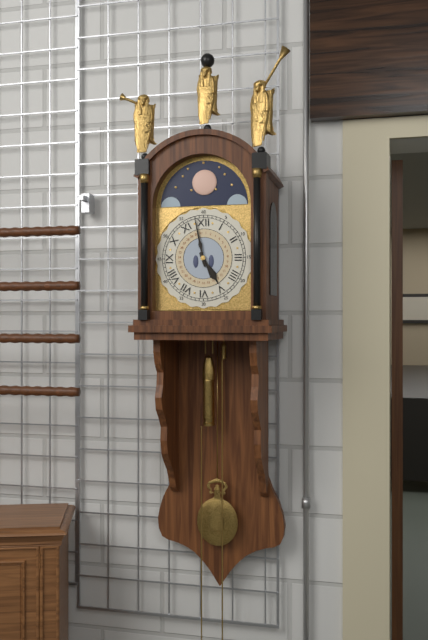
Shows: h=4 m=58
